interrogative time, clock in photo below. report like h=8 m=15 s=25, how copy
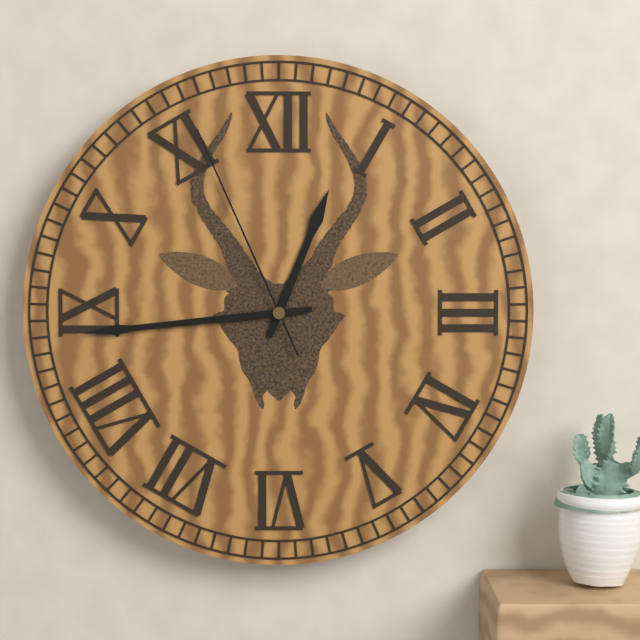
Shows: h=12 m=44 s=56
